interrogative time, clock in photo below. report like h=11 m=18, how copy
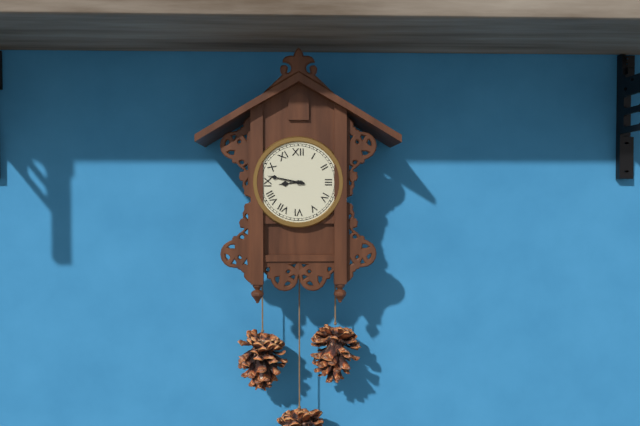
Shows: h=8 m=47
